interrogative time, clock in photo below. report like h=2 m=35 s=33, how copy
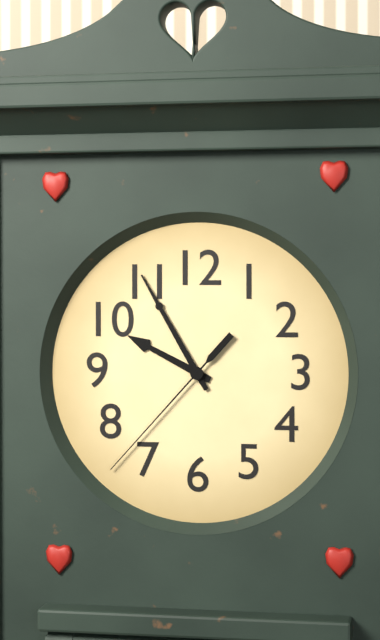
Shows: h=9 m=55 s=37
